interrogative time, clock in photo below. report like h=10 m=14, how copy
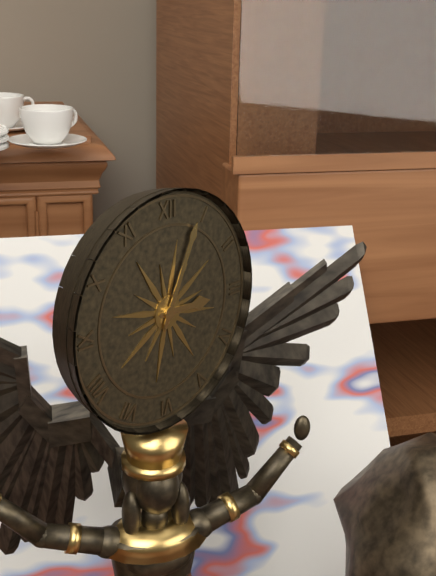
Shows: h=3 m=4
